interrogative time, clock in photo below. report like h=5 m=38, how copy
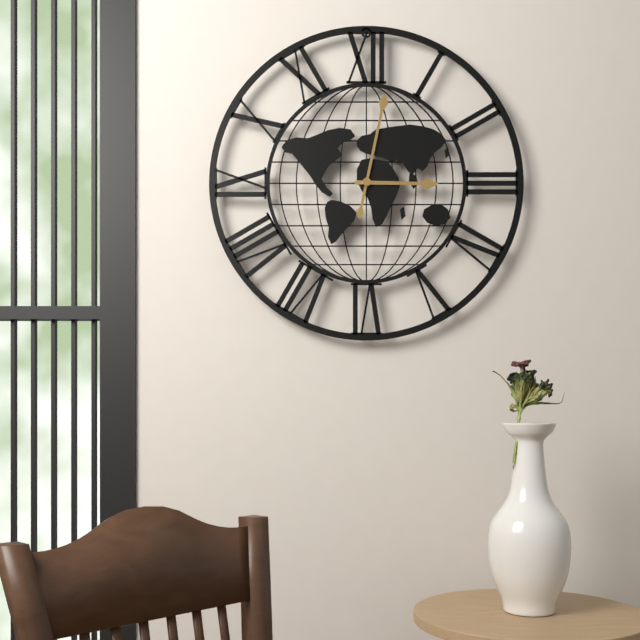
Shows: h=3 m=2
